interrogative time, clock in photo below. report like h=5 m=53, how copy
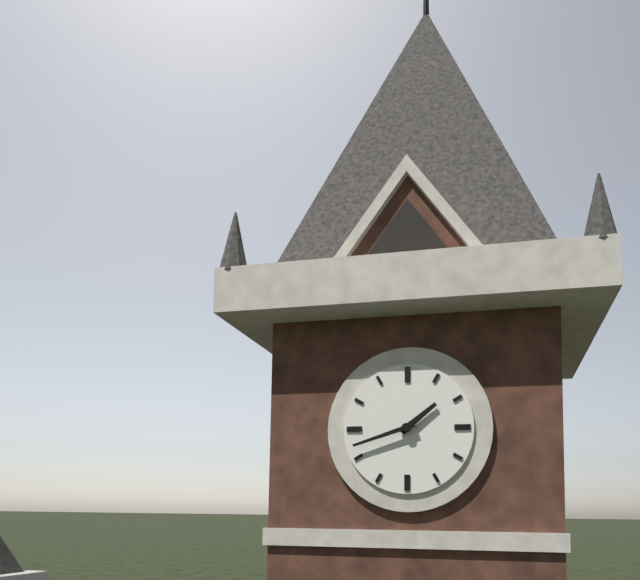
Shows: h=1 m=42
